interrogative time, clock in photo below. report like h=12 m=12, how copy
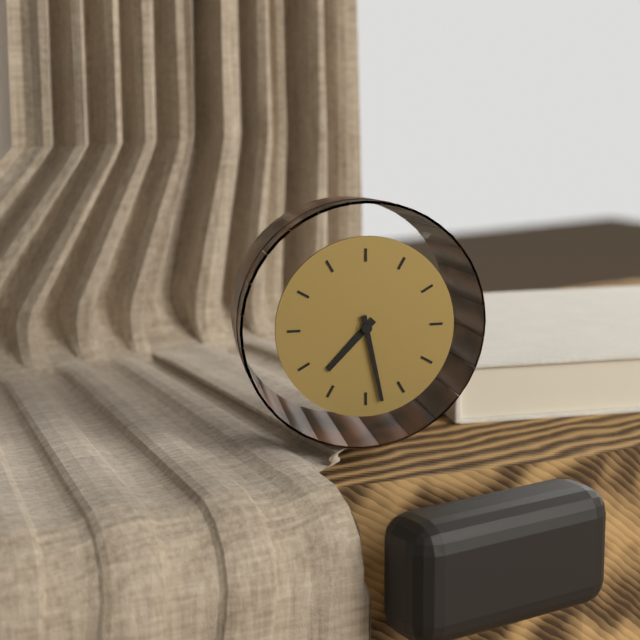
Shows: h=7 m=28
